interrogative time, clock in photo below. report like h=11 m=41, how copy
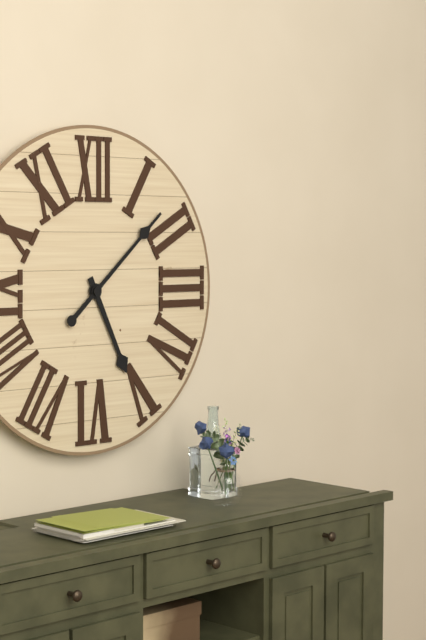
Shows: h=5 m=8
